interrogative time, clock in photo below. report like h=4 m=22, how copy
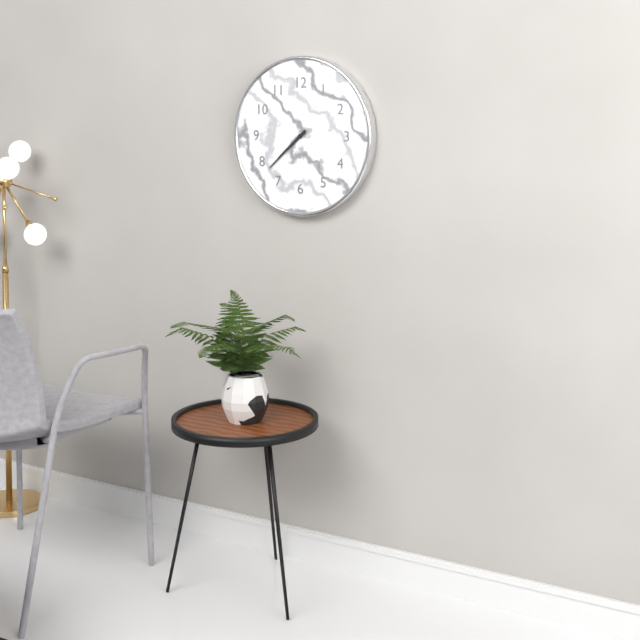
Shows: h=7 m=38
